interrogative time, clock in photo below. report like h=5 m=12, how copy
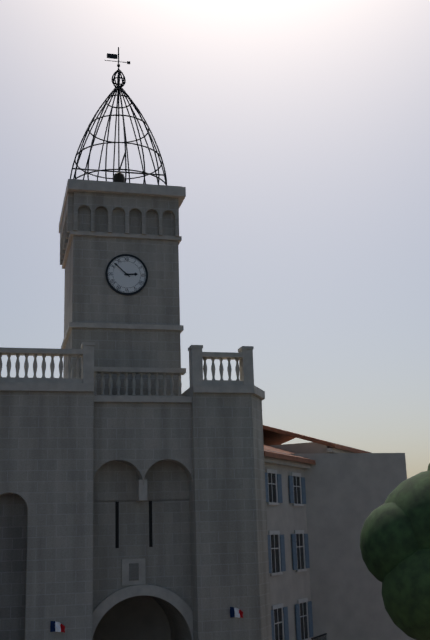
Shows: h=2 m=52
